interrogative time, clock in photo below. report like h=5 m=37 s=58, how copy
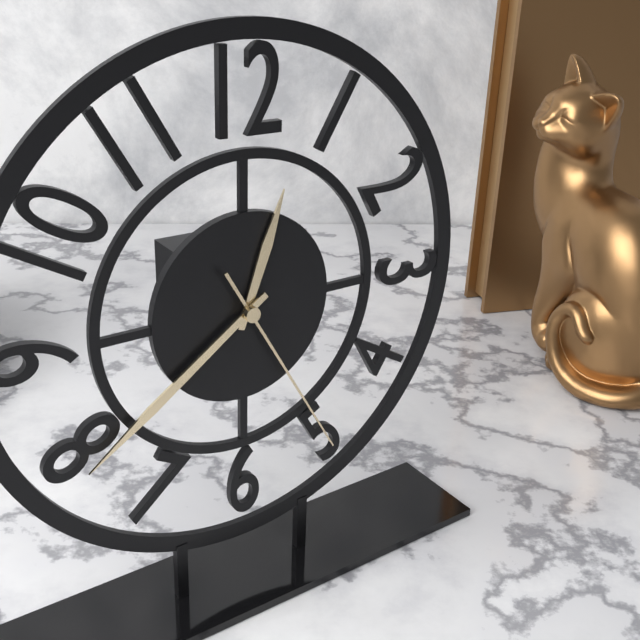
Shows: h=12 m=39 s=25
